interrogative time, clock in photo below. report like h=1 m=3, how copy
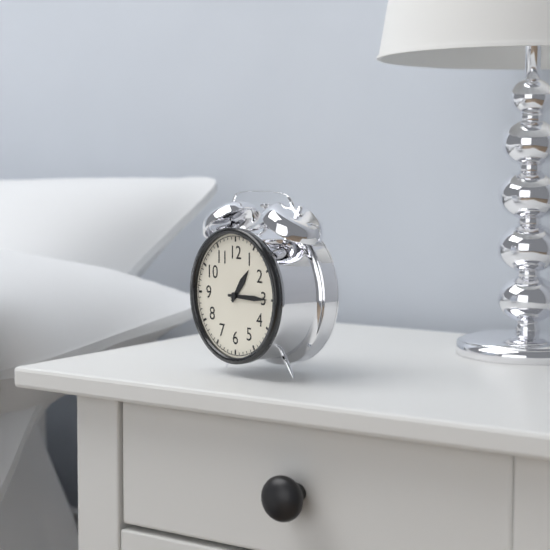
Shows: h=1 m=15
